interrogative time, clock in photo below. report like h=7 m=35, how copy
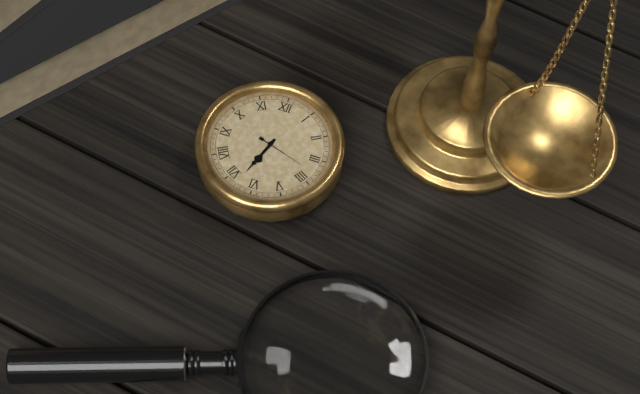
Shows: h=6 m=33
